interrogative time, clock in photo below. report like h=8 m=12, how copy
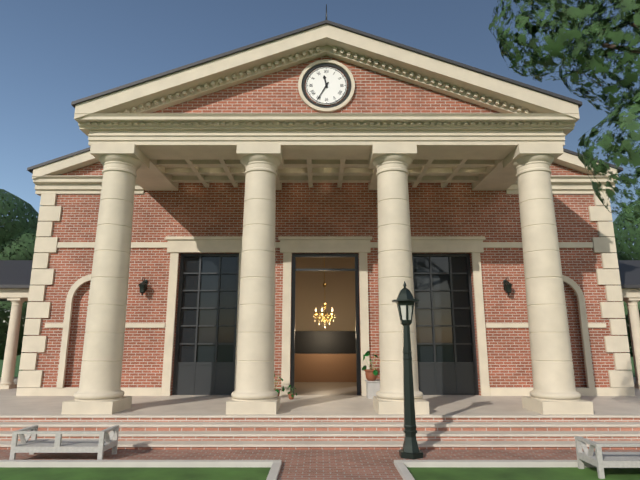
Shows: h=11 m=35
